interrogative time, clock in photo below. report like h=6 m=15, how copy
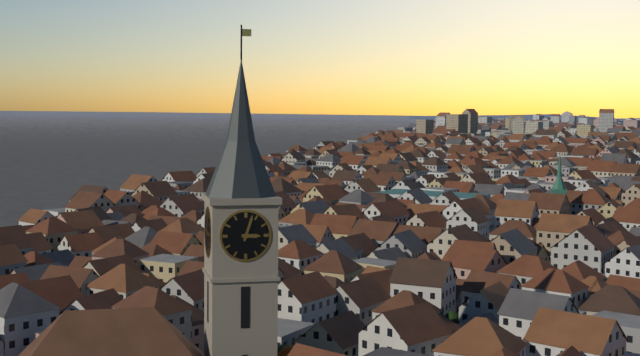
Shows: h=3 m=3
